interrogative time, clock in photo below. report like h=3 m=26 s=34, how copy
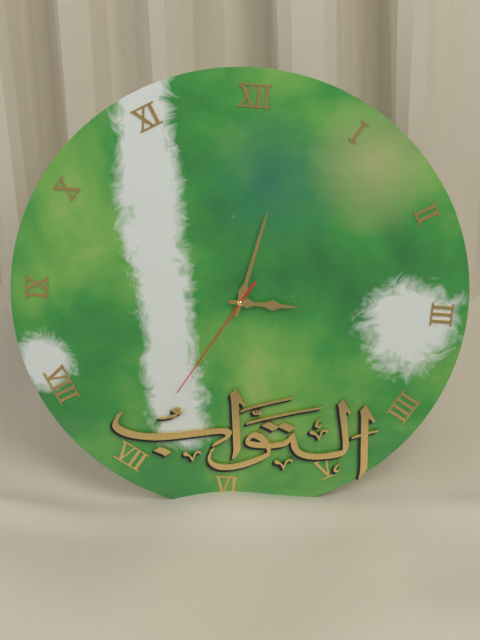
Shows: h=3 m=2 s=35
